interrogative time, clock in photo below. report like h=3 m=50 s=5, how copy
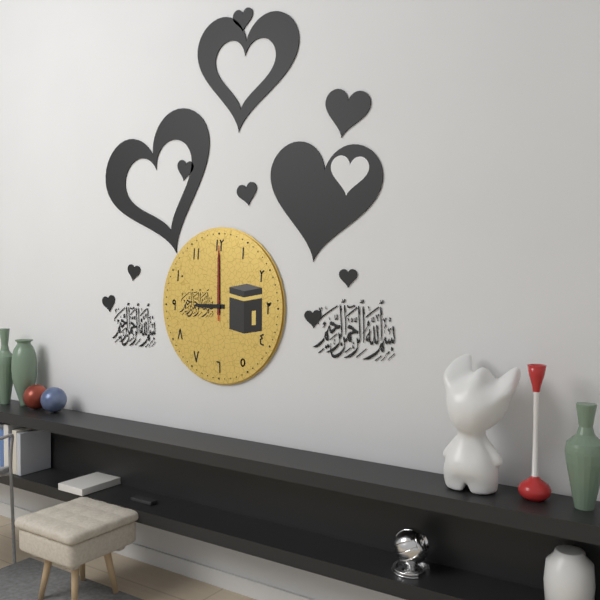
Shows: h=9 m=0 s=0
